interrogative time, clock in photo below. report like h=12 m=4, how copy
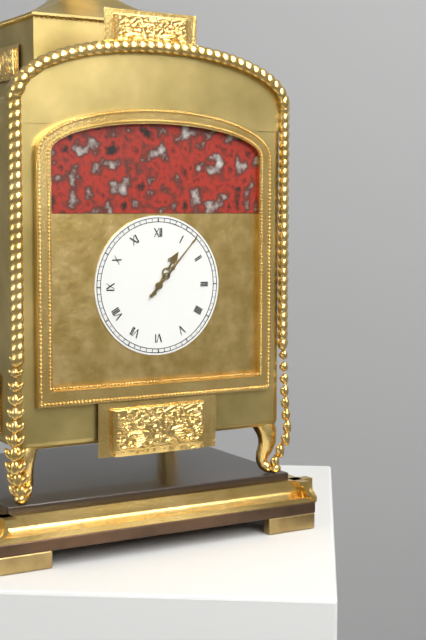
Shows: h=1 m=7
